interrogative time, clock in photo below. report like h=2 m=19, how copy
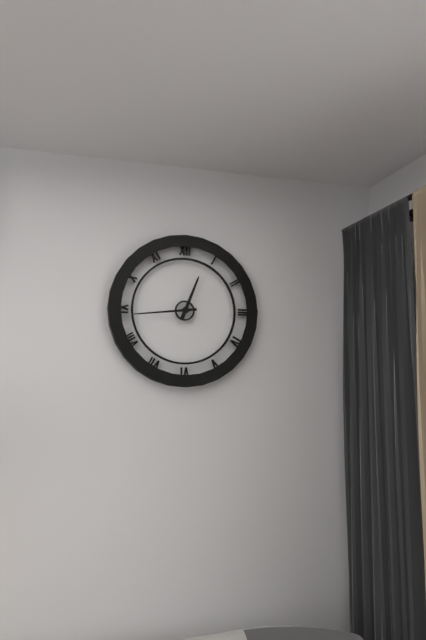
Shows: h=12 m=44
